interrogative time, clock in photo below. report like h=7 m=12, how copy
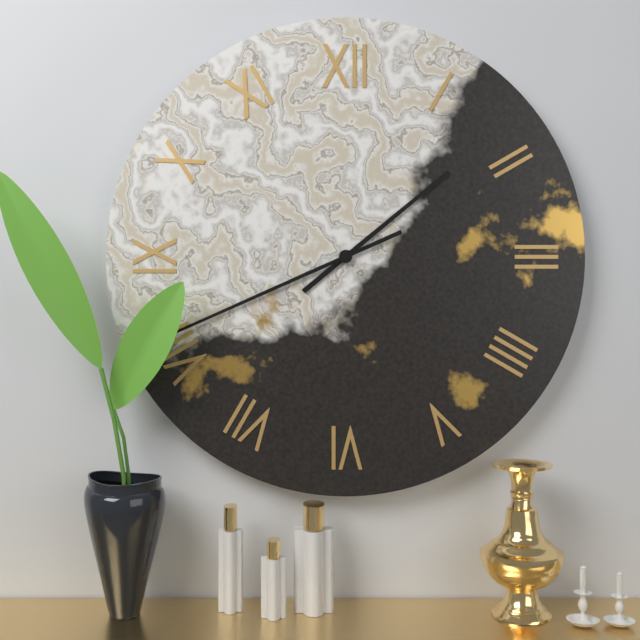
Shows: h=1 m=41
